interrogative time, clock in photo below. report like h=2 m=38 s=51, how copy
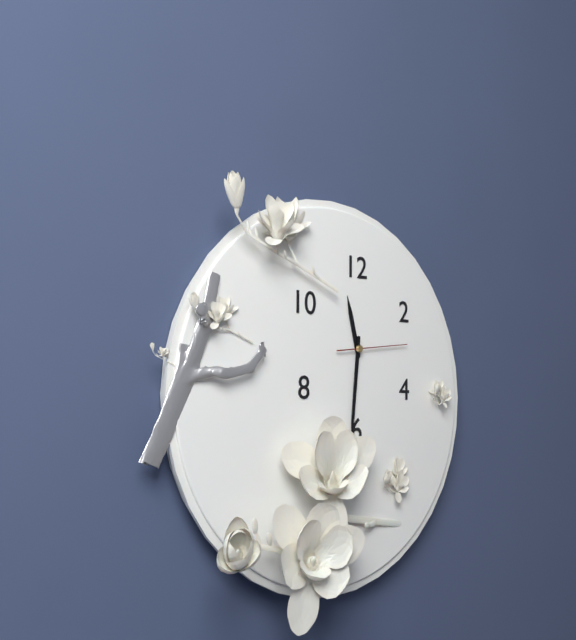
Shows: h=11 m=31 s=14
